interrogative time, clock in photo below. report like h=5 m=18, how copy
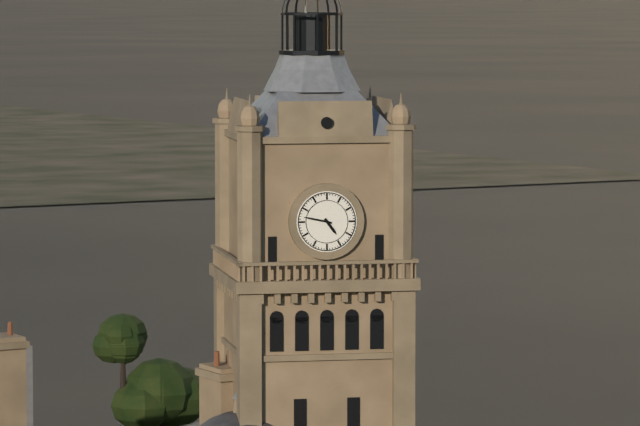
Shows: h=4 m=47
